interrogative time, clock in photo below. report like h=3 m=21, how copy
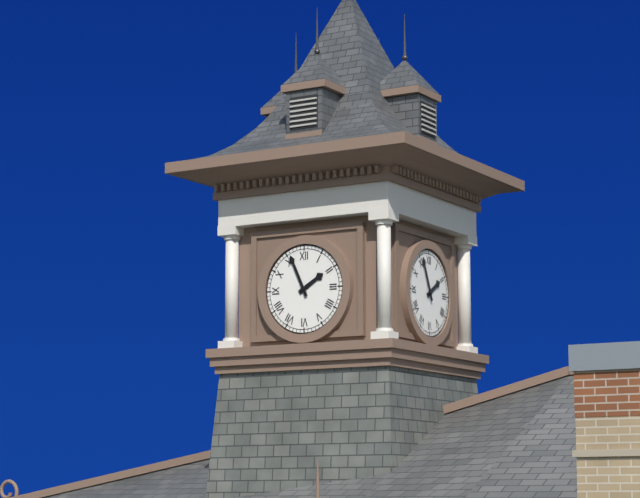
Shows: h=1 m=56
